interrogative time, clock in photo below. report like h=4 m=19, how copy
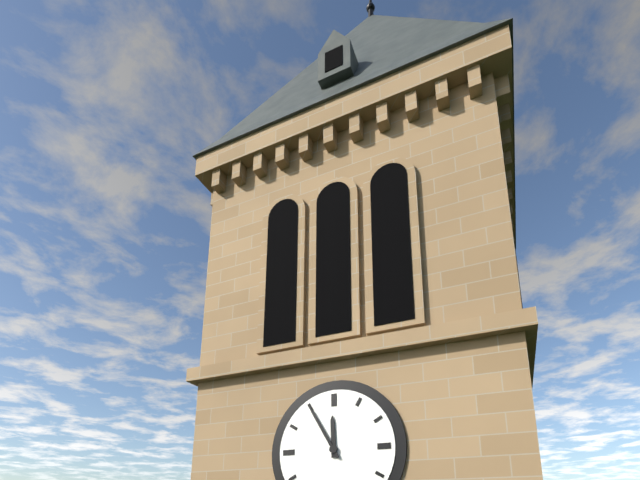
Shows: h=11 m=55
